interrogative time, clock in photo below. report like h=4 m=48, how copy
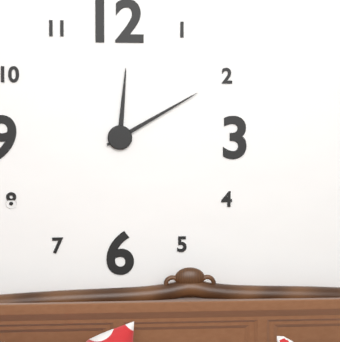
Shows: h=12 m=10
